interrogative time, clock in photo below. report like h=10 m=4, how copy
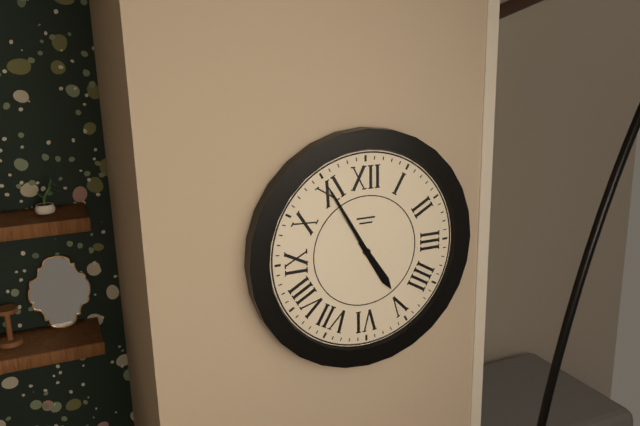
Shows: h=4 m=55
